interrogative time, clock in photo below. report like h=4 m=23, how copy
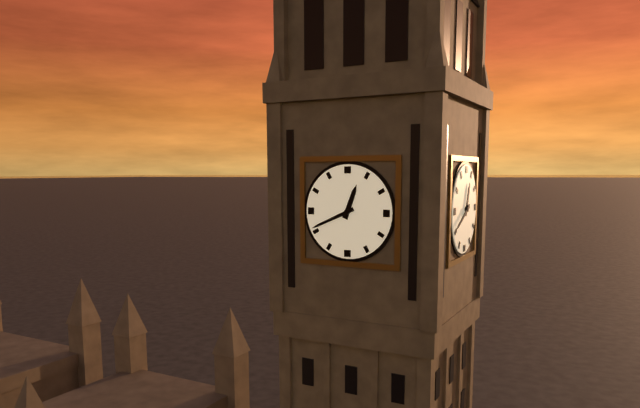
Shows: h=12 m=41
